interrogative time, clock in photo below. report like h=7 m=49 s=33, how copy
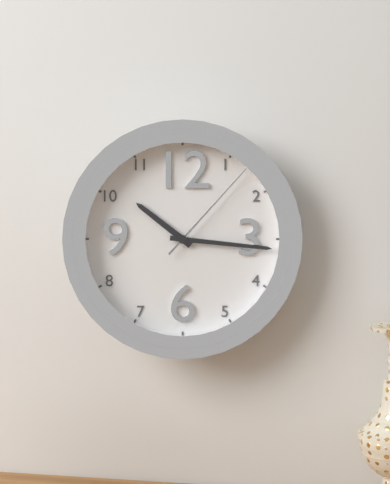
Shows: h=10 m=16 s=7
